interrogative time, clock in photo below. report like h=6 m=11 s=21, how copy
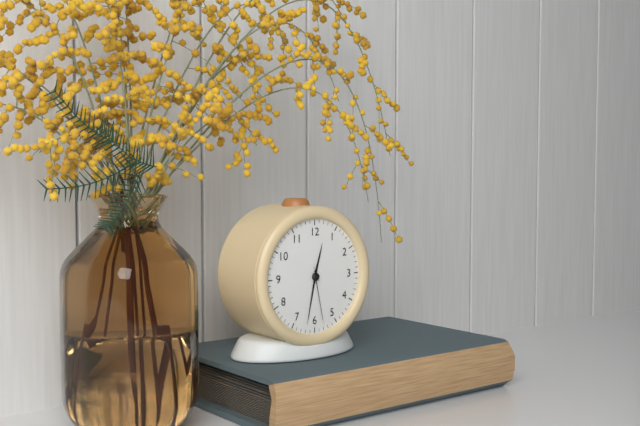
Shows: h=12 m=32 s=28
